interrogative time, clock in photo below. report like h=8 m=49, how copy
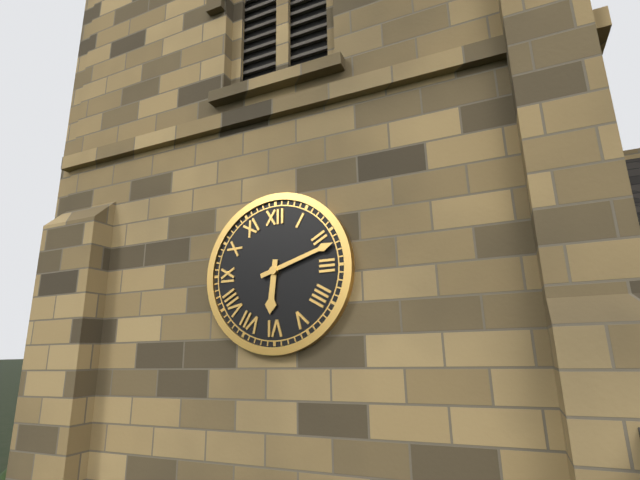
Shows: h=6 m=12
